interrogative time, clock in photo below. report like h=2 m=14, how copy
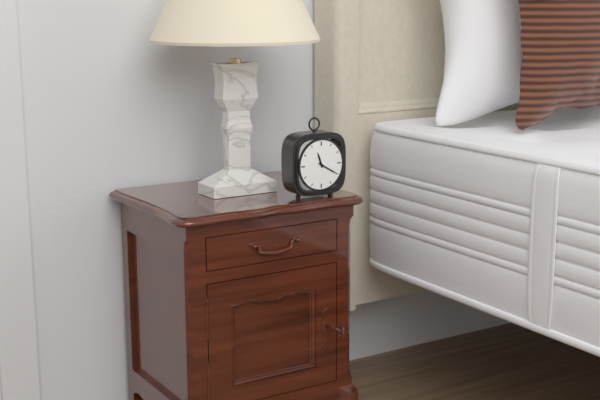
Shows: h=11 m=20
